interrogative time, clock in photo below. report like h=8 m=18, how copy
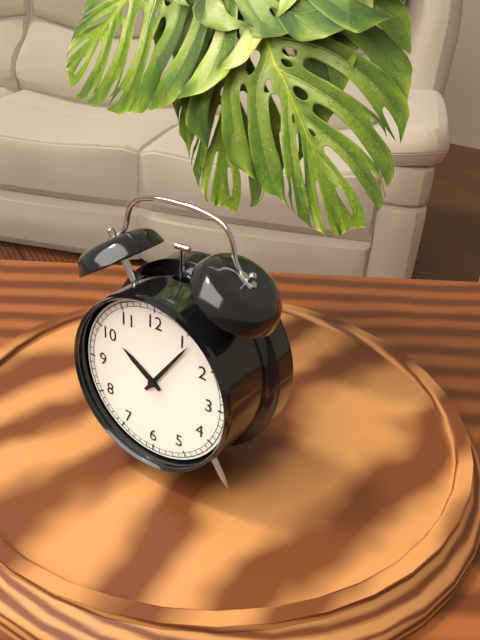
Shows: h=10 m=6
